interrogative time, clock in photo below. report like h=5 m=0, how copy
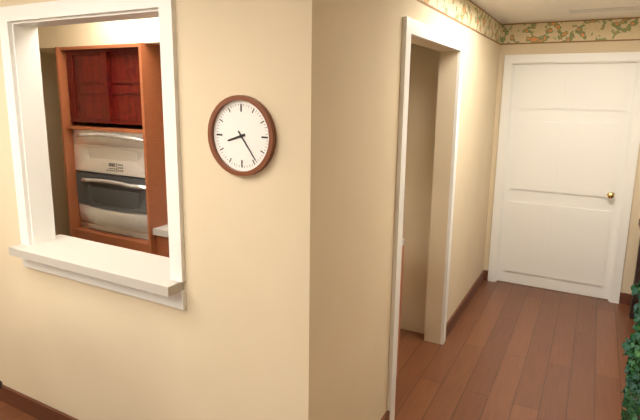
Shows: h=8 m=24
